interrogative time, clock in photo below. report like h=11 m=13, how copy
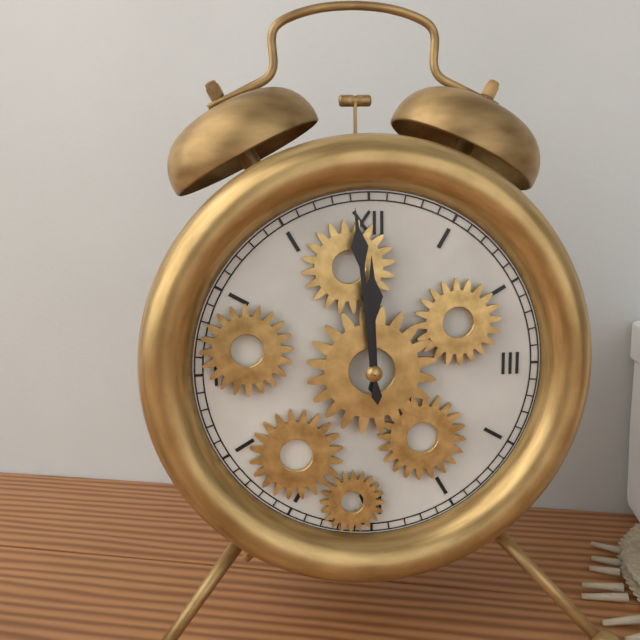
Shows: h=11 m=59
